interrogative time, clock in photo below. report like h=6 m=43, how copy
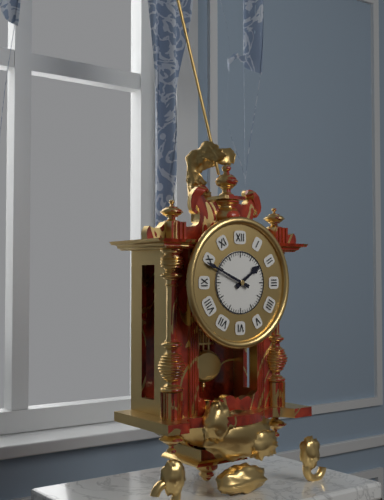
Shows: h=1 m=49
